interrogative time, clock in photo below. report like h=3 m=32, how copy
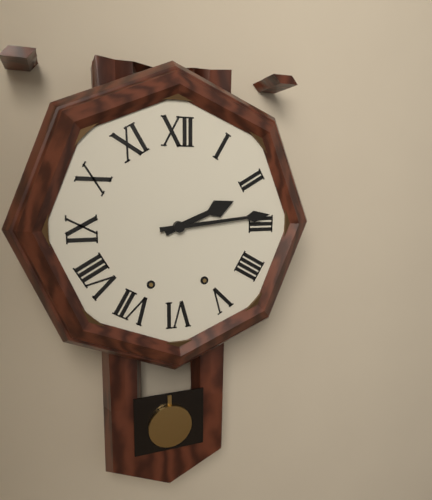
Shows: h=2 m=14
